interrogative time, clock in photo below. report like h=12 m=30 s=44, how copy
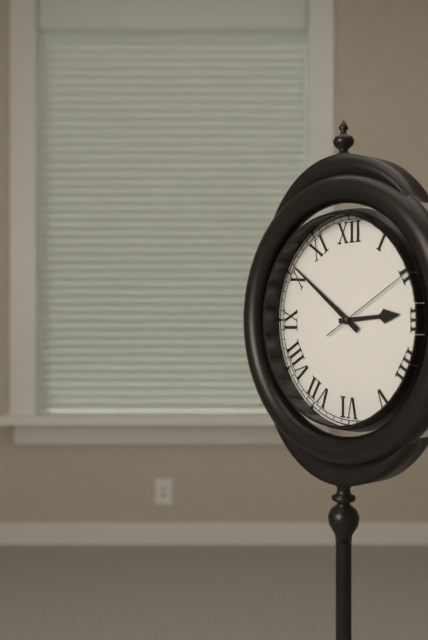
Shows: h=2 m=51 s=10
